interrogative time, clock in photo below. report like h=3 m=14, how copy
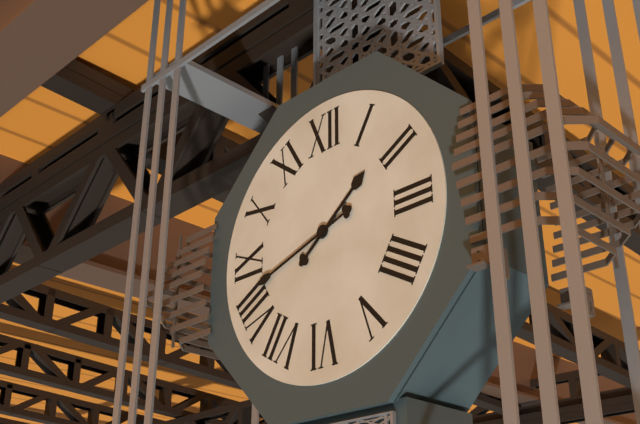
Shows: h=1 m=42
